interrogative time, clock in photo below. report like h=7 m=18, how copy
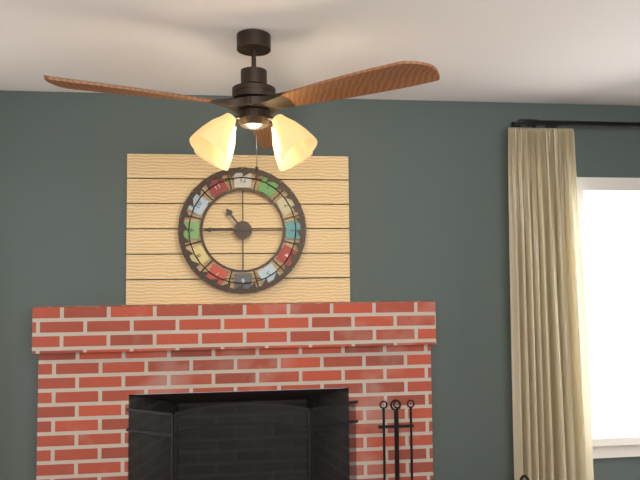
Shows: h=10 m=45
